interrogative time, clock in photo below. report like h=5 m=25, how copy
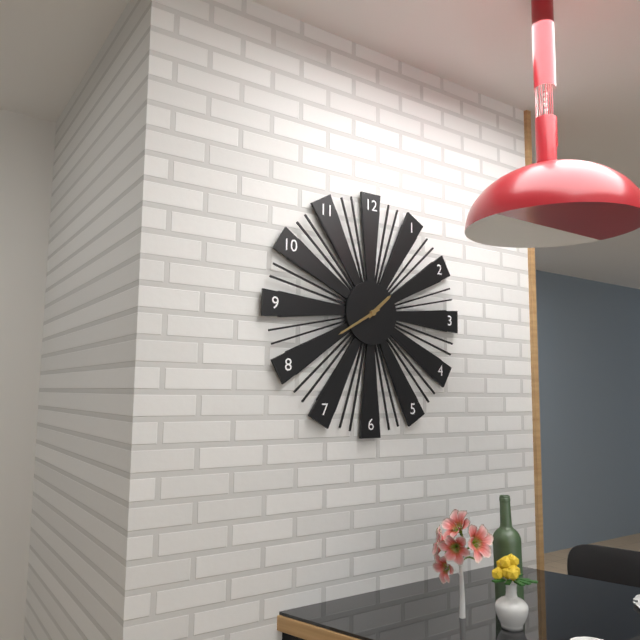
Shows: h=1 m=40
